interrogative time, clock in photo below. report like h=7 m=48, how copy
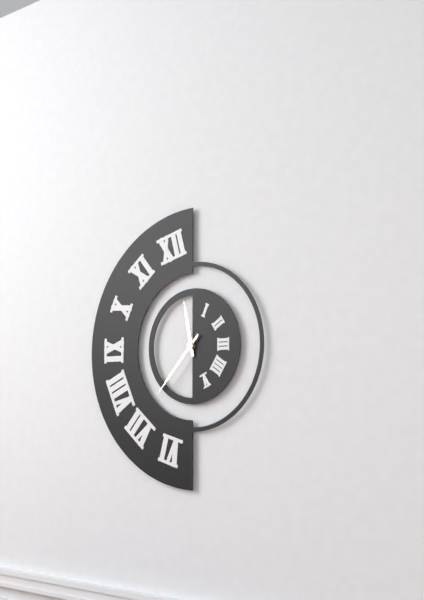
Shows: h=11 m=37
